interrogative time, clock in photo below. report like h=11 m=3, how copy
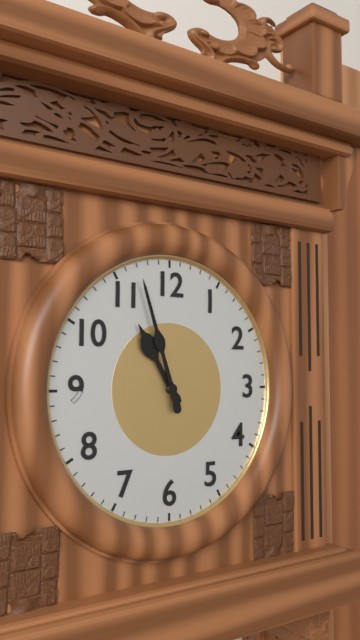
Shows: h=10 m=57
